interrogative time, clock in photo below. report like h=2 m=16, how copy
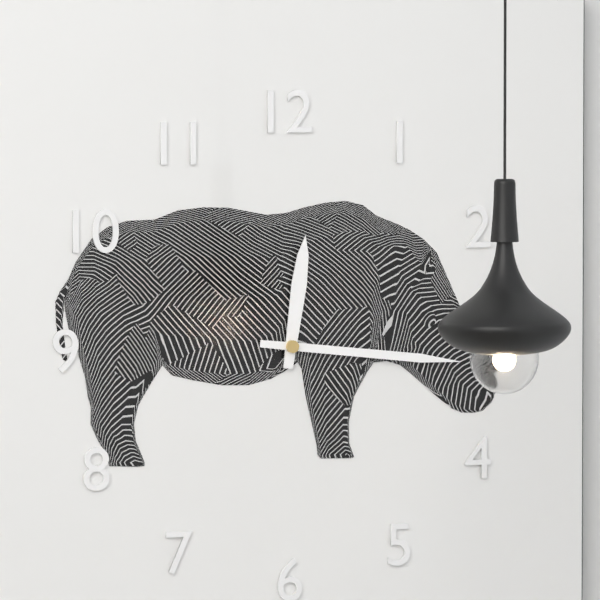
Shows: h=12 m=16
